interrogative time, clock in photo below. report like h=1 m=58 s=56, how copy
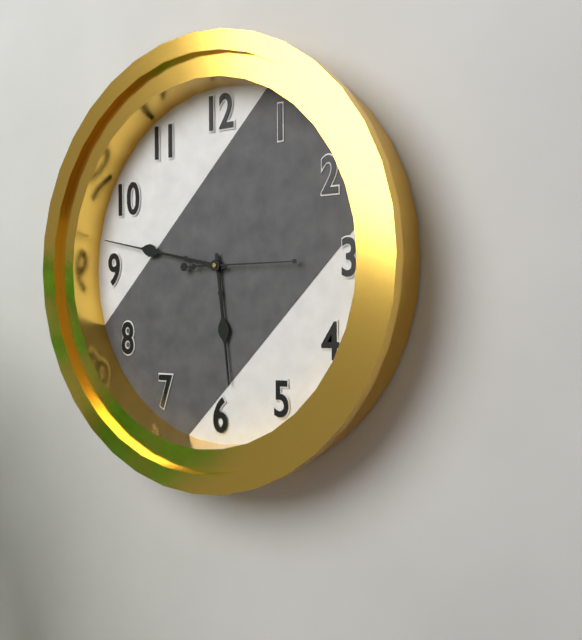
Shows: h=5 m=47 s=15
